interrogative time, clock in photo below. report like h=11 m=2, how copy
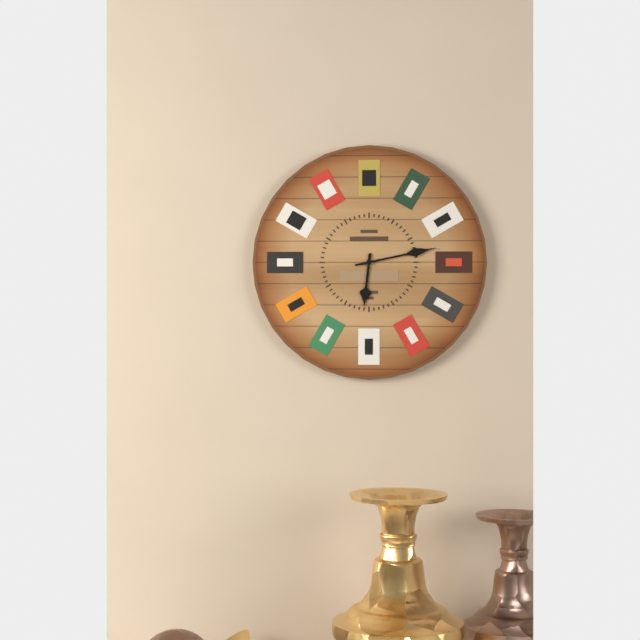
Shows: h=6 m=13
